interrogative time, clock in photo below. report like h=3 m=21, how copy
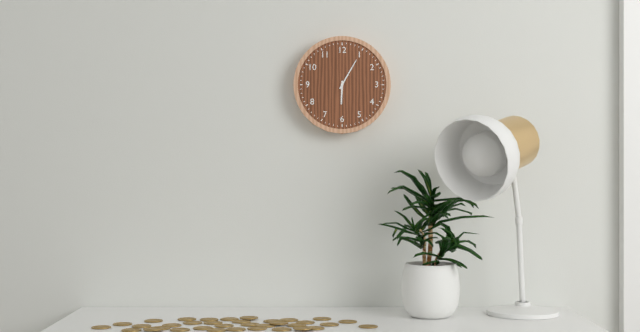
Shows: h=6 m=5
